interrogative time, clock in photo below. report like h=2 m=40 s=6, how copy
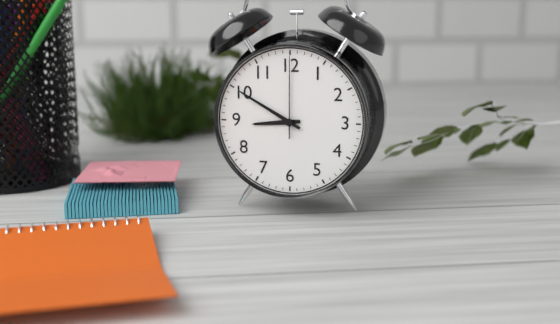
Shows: h=8 m=50 s=0
